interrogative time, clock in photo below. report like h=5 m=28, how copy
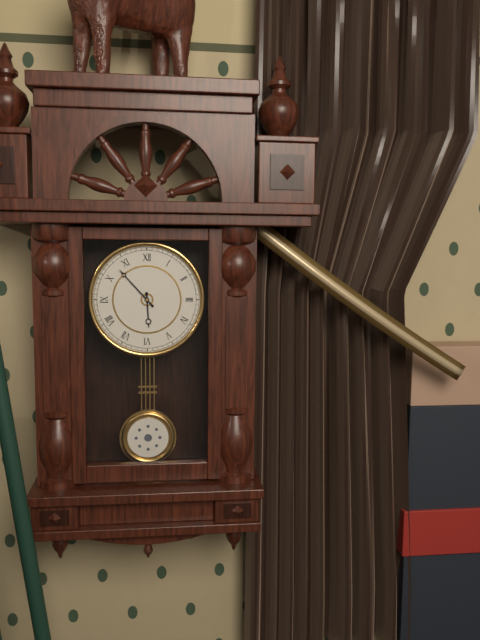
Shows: h=5 m=53
